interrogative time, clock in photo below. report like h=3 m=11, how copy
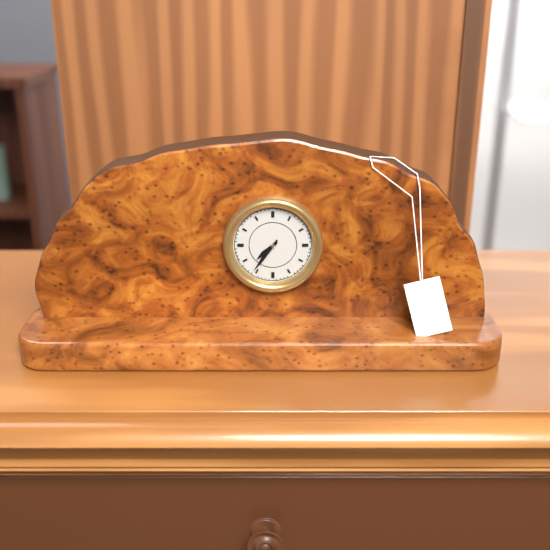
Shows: h=7 m=36
